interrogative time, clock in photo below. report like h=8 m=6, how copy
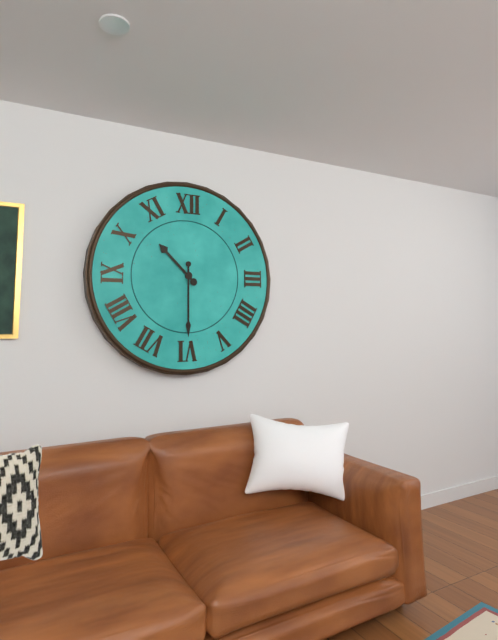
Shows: h=10 m=30
